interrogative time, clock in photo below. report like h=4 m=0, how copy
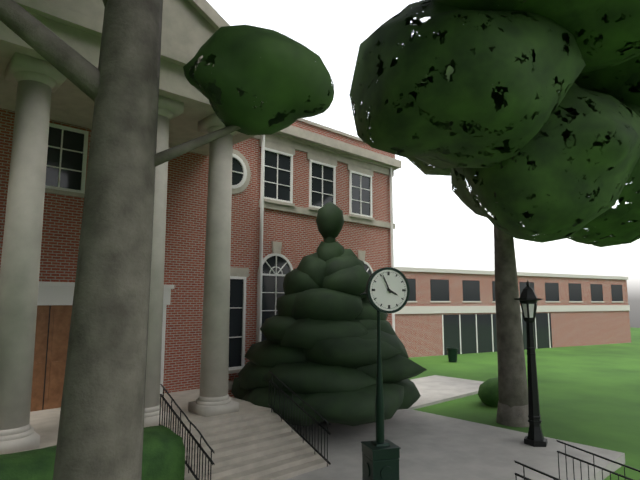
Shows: h=3 m=56
